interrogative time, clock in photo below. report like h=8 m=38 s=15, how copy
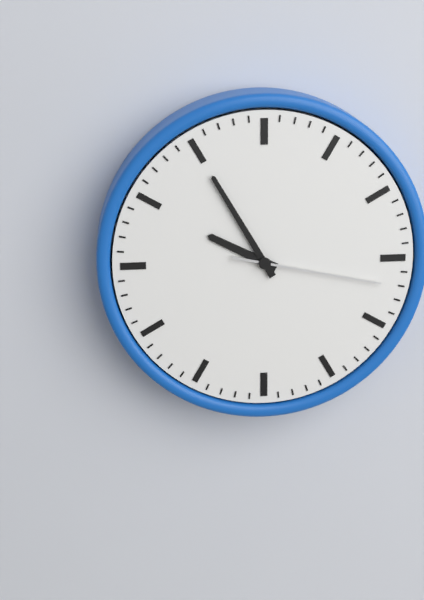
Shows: h=9 m=55 s=17
